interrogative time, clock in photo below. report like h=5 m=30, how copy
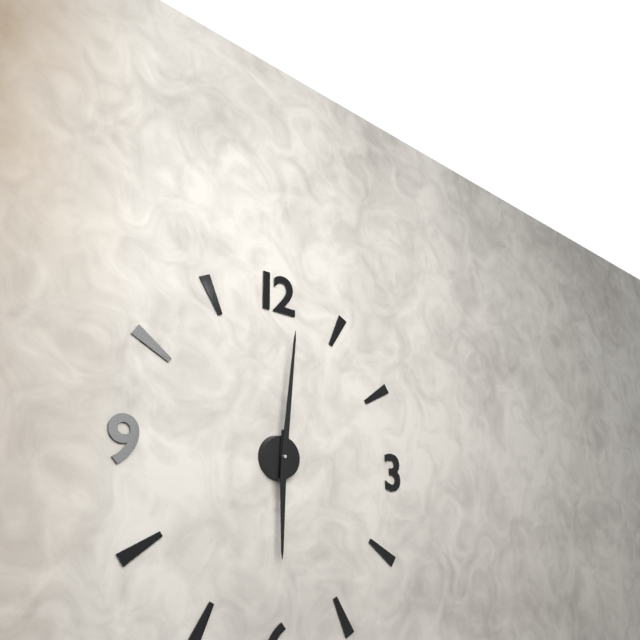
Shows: h=6 m=1
